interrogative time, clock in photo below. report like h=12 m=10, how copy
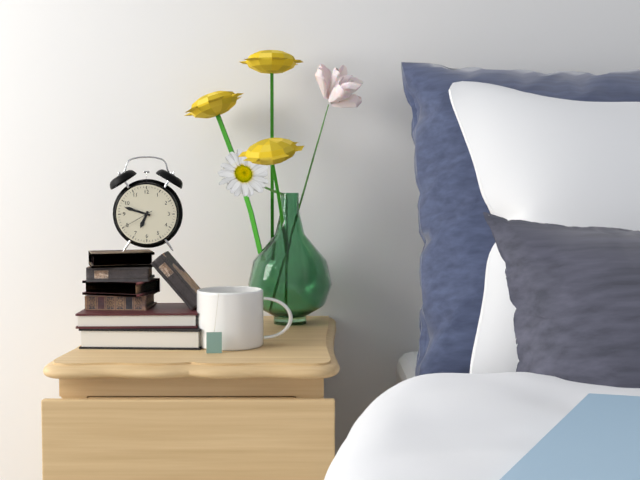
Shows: h=6 m=48
